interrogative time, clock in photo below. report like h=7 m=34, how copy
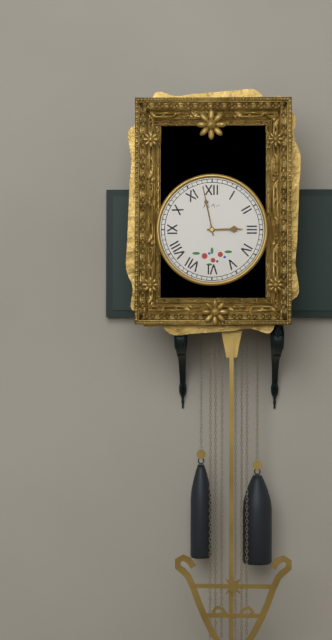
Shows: h=2 m=58
